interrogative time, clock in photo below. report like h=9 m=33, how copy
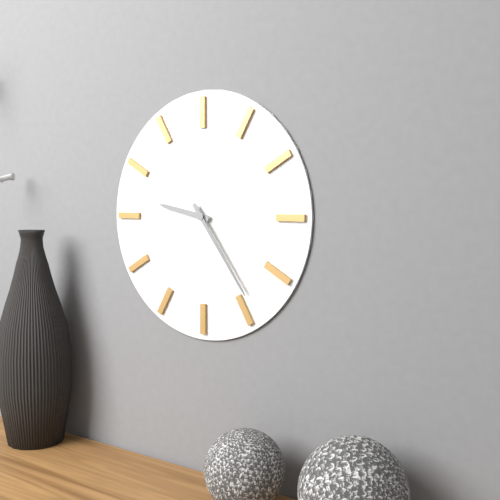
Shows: h=9 m=24
